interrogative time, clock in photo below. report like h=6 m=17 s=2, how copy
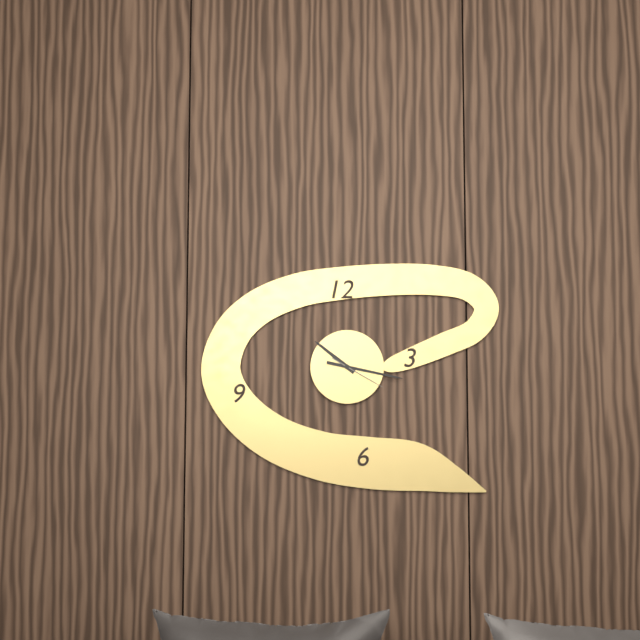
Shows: h=10 m=17 s=20
